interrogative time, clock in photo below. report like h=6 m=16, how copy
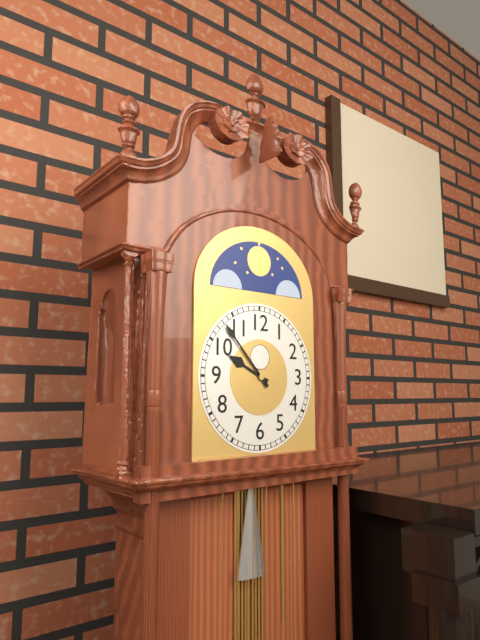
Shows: h=9 m=53
